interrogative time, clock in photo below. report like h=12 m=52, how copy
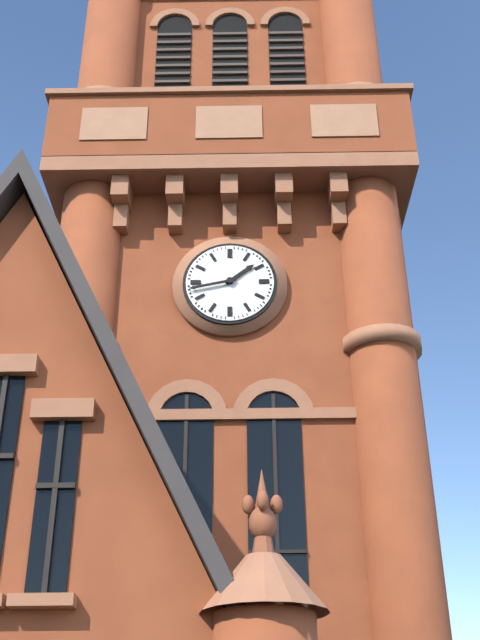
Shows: h=1 m=43
